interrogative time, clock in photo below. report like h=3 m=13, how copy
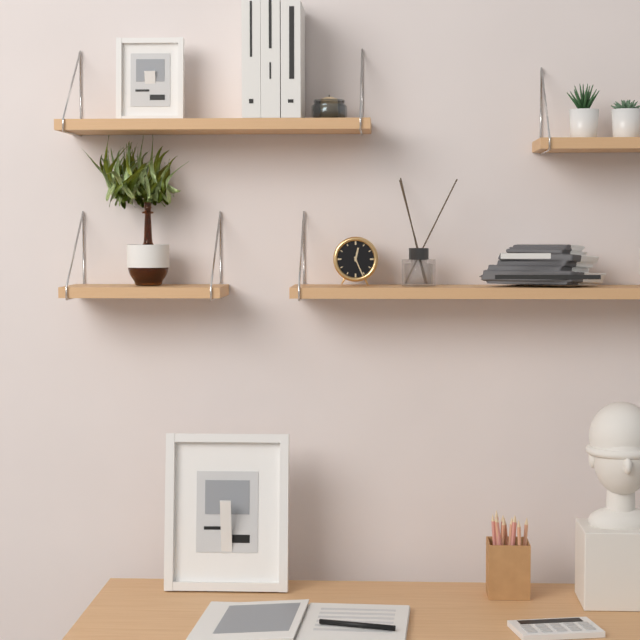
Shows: h=12 m=26
